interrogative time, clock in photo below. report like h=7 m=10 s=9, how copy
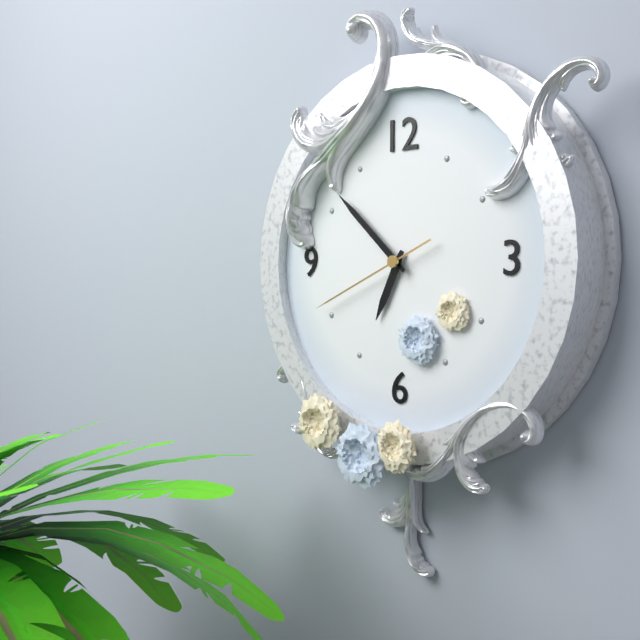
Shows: h=6 m=52 s=41
